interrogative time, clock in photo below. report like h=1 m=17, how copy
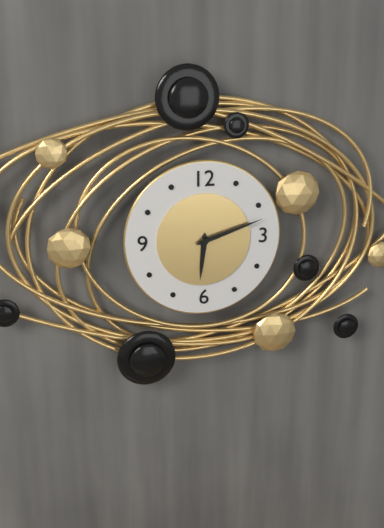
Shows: h=6 m=12
